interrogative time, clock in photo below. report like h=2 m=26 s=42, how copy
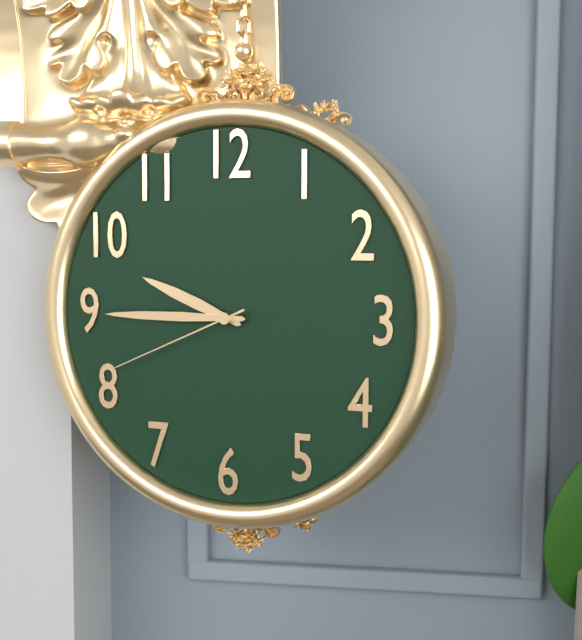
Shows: h=9 m=45 s=41
